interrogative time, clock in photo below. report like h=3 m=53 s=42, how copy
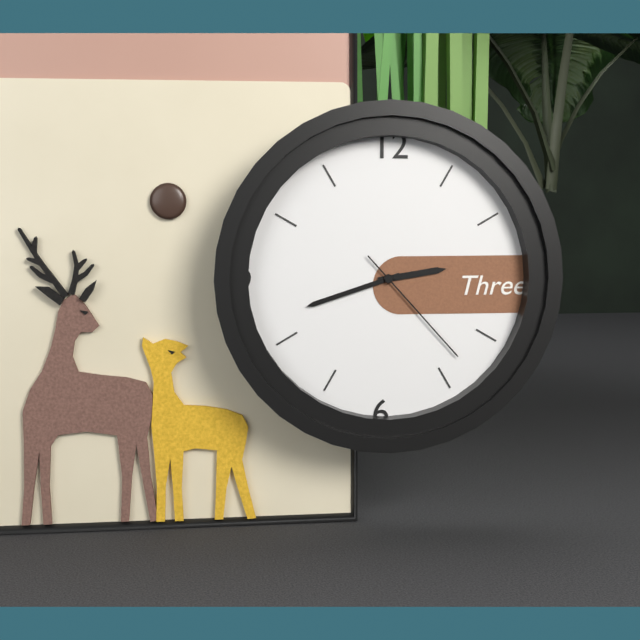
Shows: h=2 m=42 s=23
